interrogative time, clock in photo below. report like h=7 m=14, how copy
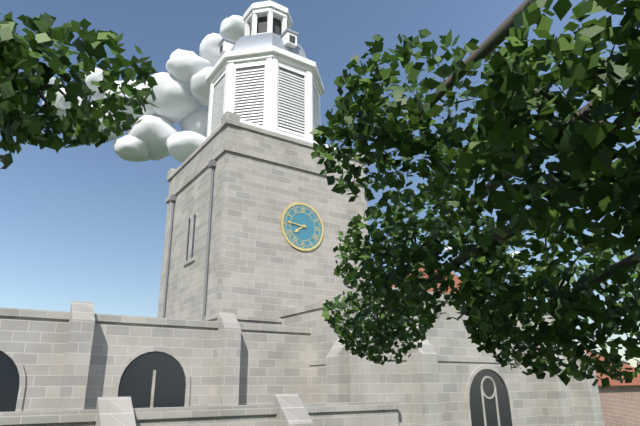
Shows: h=7 m=46
